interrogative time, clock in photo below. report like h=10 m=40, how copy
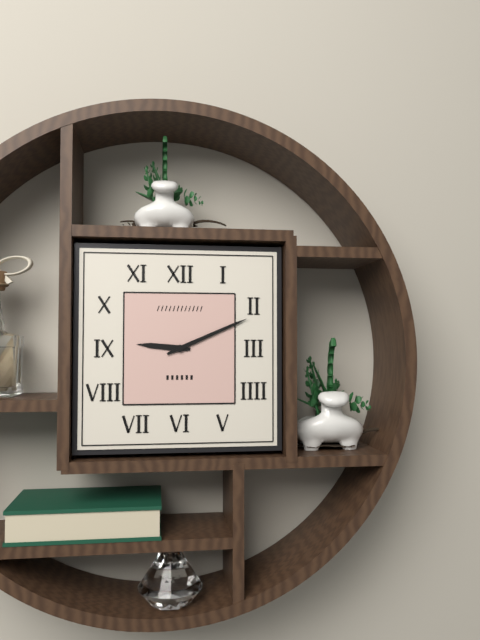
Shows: h=9 m=11
